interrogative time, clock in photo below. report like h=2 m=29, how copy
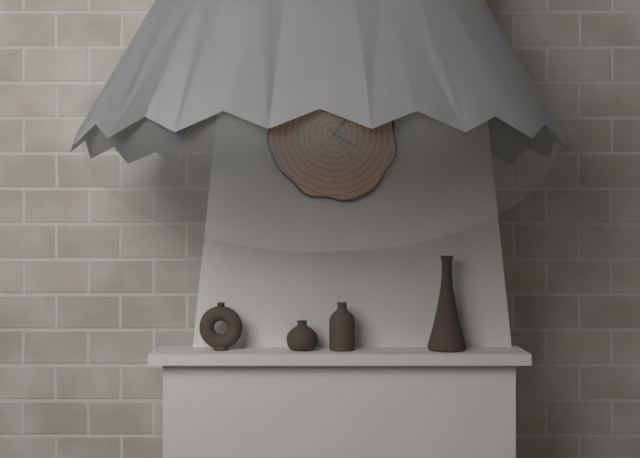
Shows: h=1 m=20
